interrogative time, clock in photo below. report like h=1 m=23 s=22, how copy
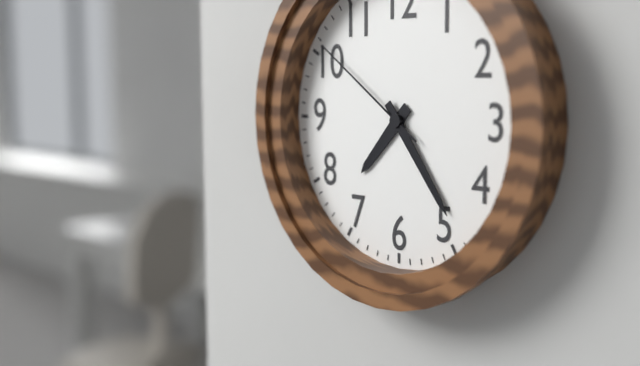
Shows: h=7 m=24 s=51
